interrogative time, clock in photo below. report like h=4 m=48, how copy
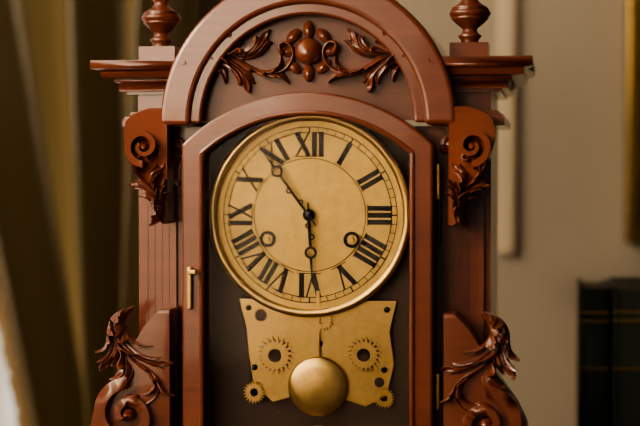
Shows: h=5 m=54
